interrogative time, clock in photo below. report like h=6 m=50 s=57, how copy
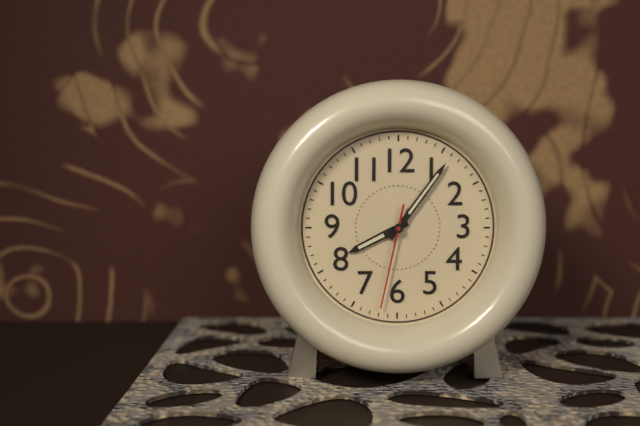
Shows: h=8 m=6 s=32
